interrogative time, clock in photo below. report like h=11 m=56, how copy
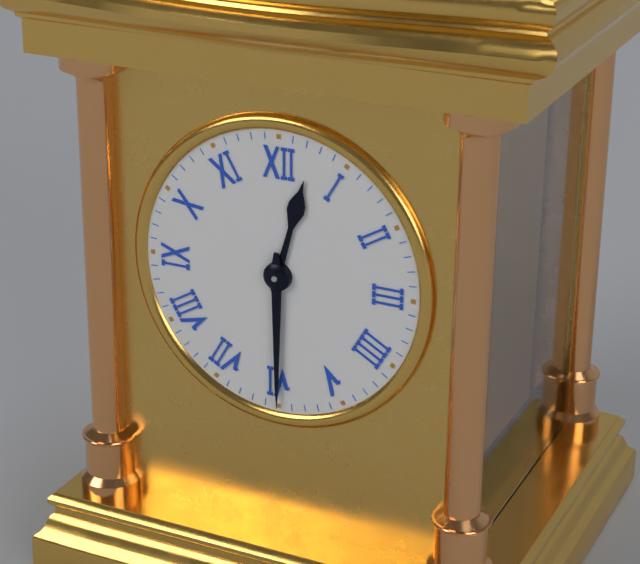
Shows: h=12 m=30
